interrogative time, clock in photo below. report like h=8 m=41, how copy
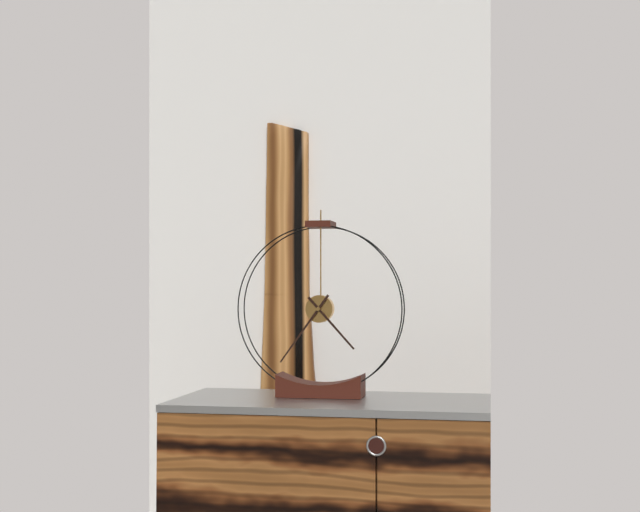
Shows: h=4 m=36
